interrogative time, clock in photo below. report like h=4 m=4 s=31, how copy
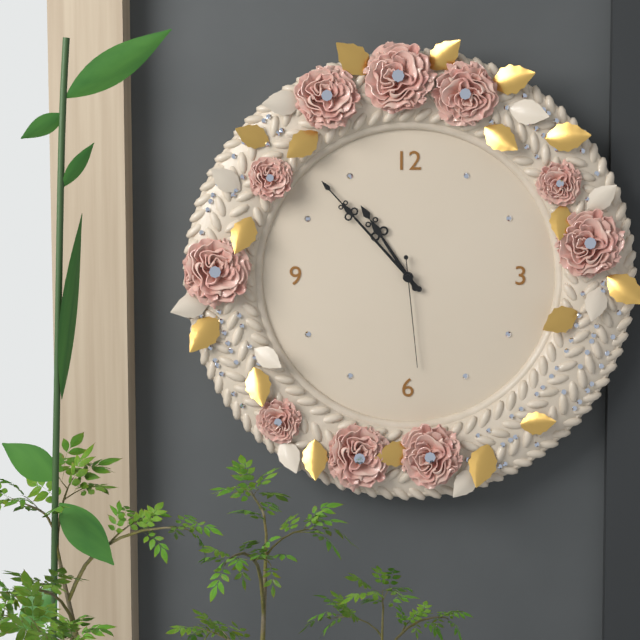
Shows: h=10 m=53 s=29
